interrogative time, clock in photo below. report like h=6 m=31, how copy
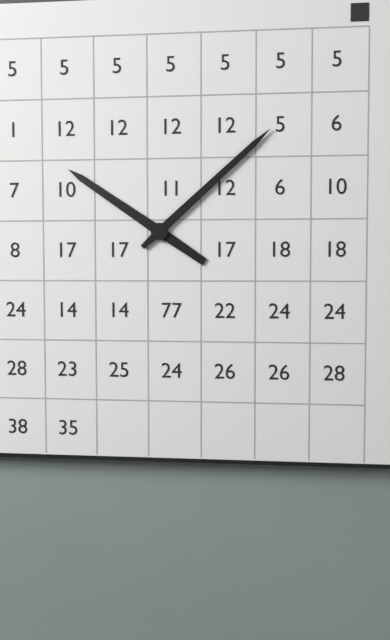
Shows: h=10 m=8
